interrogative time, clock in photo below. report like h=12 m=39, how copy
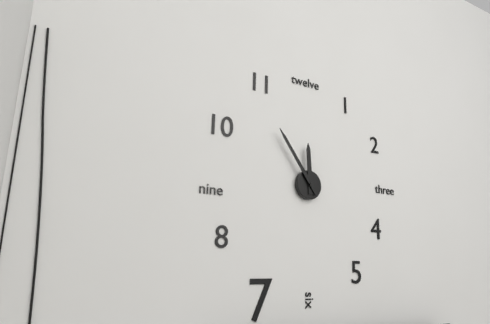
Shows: h=11 m=54
